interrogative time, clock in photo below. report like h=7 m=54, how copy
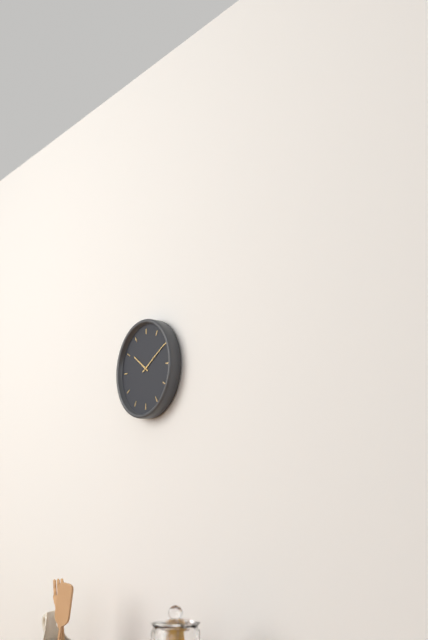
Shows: h=10 m=10
